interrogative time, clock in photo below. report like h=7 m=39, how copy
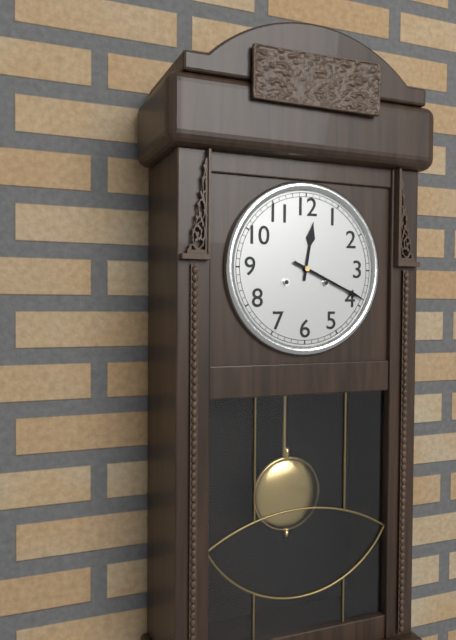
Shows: h=12 m=19
